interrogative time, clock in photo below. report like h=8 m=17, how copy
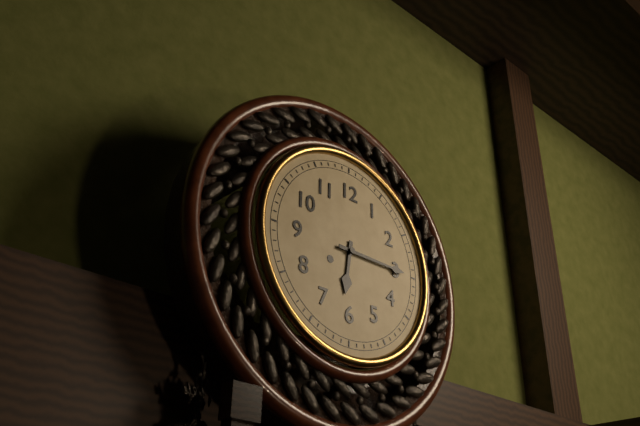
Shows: h=6 m=15
